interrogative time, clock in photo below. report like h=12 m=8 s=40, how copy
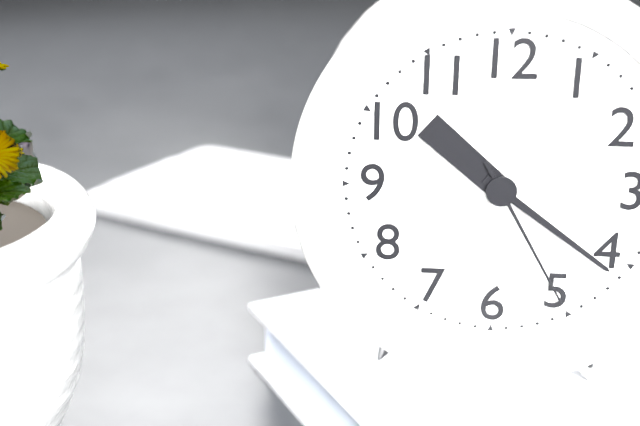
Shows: h=10 m=21 s=25
